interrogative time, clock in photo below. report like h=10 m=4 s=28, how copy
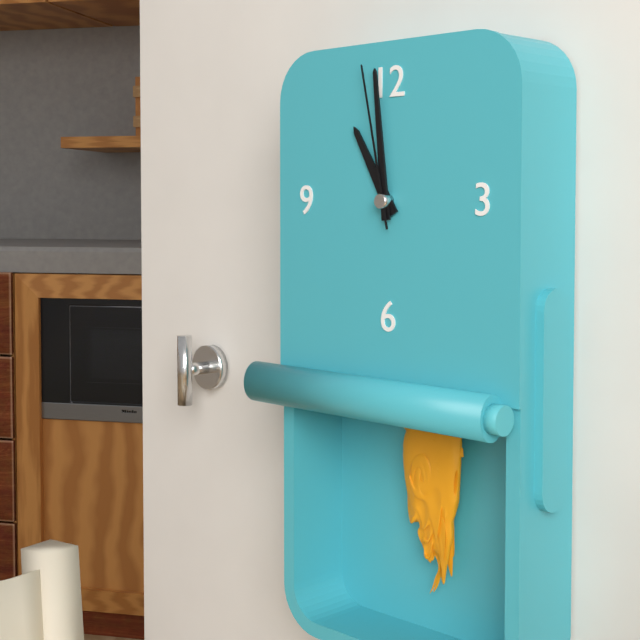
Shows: h=10 m=59 s=58
